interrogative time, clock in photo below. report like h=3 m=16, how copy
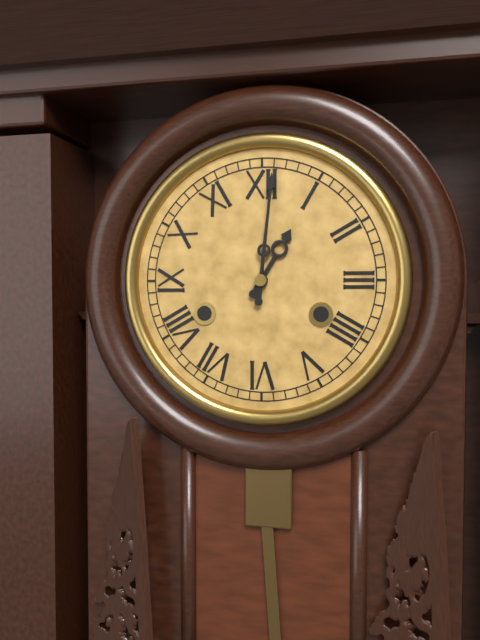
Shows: h=1 m=1
